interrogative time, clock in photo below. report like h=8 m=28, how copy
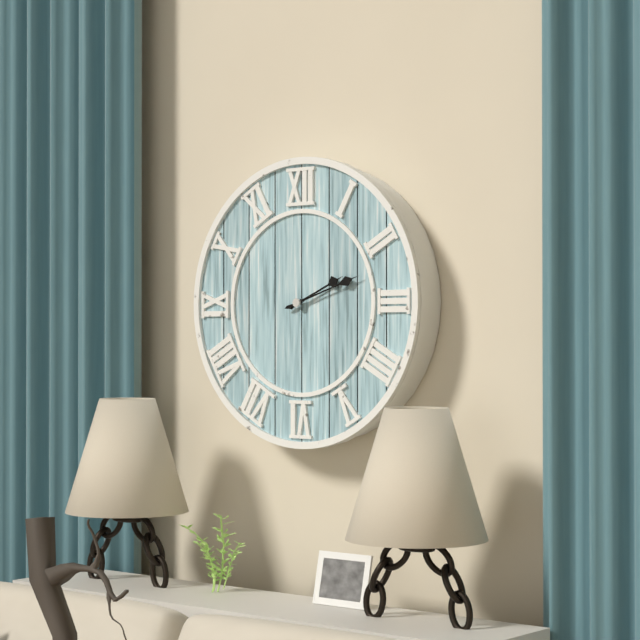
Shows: h=2 m=12
